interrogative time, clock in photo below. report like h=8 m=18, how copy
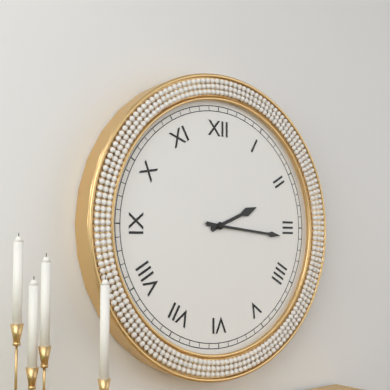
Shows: h=2 m=16
